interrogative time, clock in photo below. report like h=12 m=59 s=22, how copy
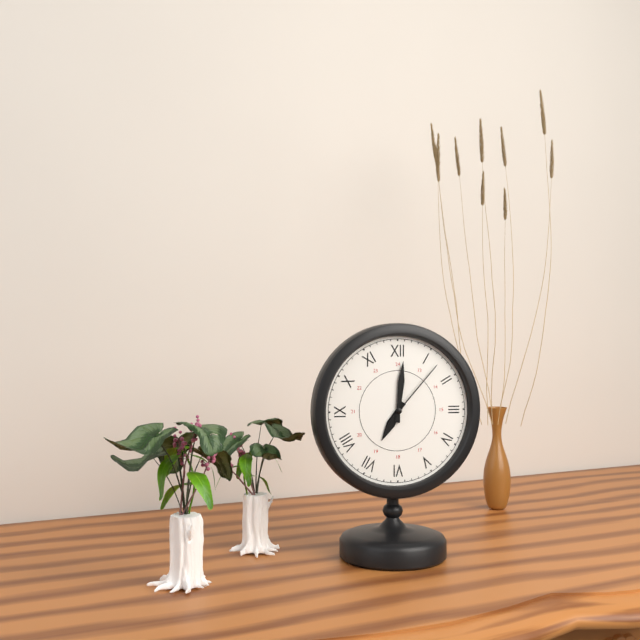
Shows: h=7 m=1 s=7
